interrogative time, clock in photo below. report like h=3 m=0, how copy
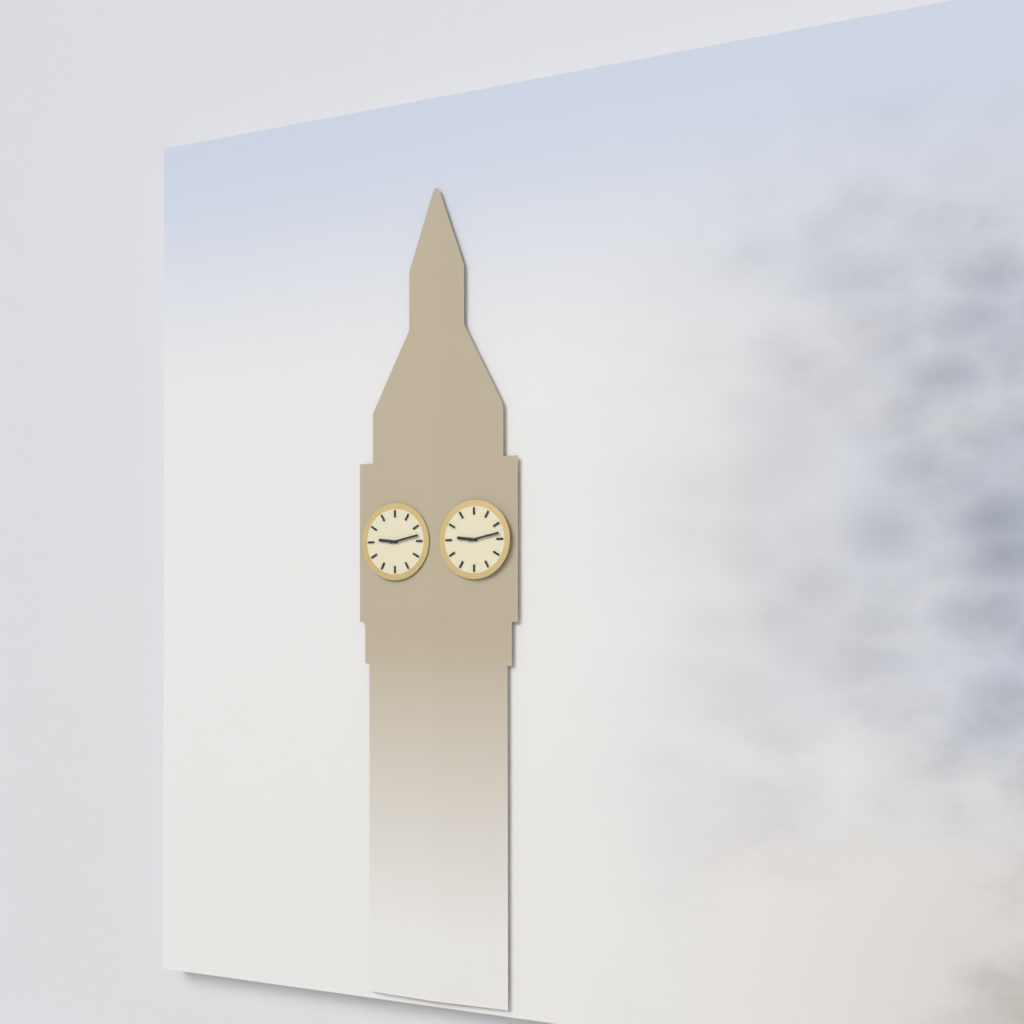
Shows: h=9 m=13
